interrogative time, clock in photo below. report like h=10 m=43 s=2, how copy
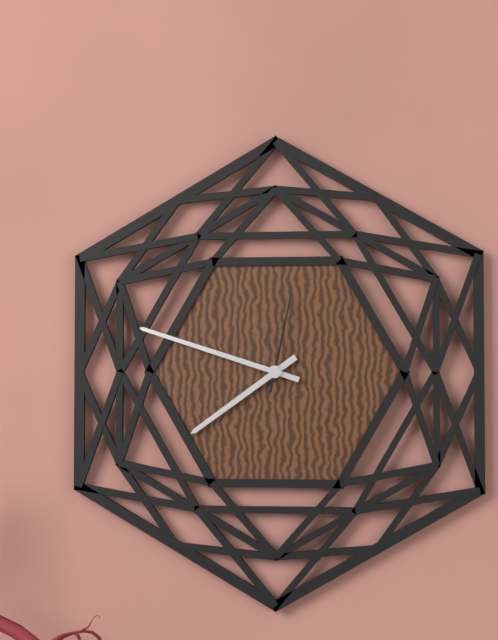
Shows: h=7 m=48 s=2
